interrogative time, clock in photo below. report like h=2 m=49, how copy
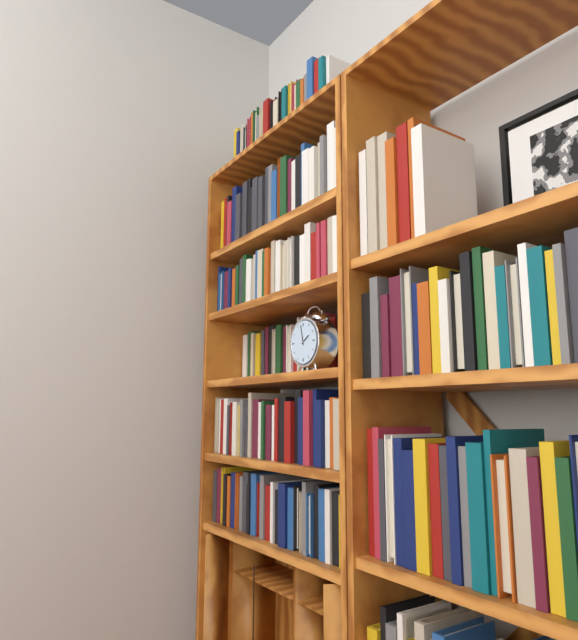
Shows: h=1 m=58
